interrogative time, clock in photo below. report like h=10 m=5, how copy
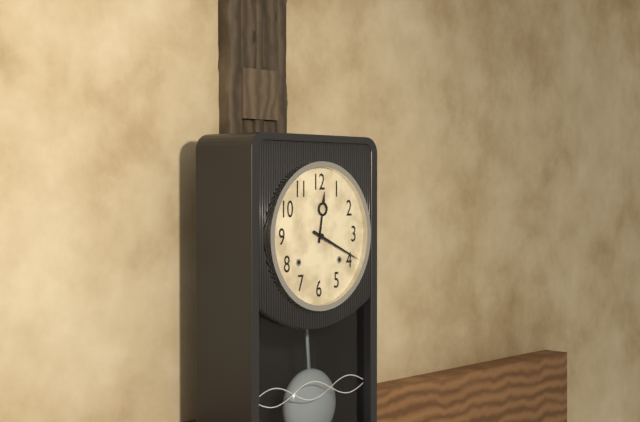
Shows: h=12 m=19
